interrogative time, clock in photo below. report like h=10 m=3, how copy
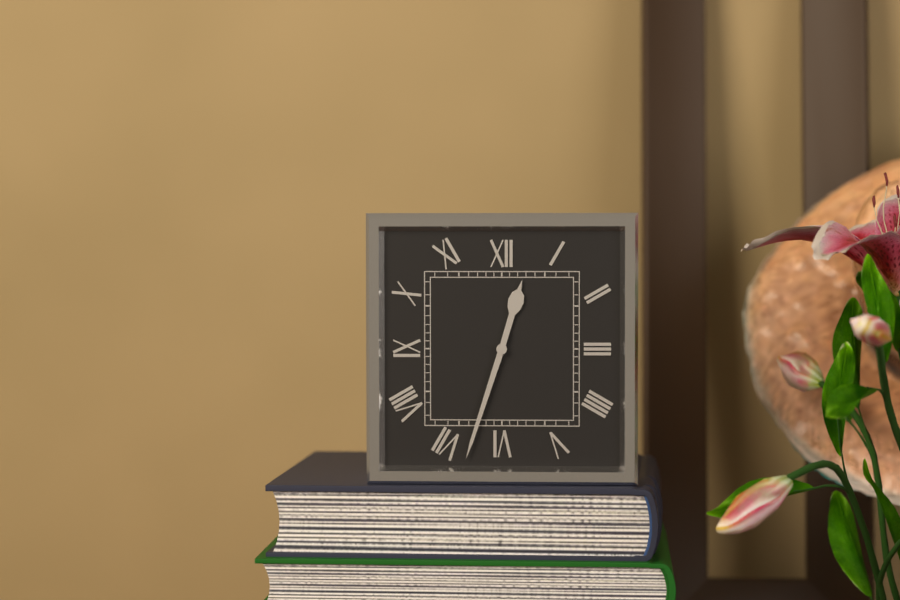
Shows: h=12 m=33
